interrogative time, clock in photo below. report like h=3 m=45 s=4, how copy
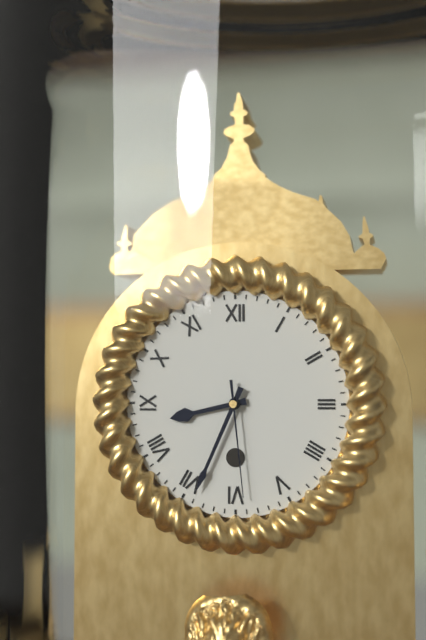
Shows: h=8 m=34 s=29
